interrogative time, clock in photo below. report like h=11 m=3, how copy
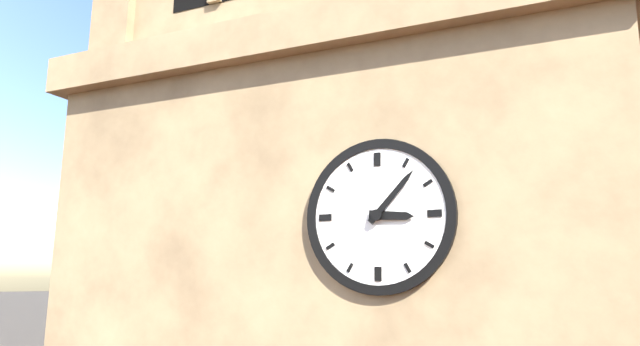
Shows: h=3 m=7
